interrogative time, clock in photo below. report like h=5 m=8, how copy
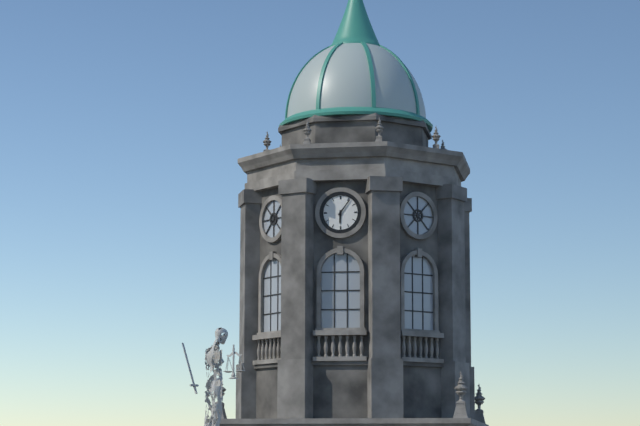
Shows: h=6 m=6
